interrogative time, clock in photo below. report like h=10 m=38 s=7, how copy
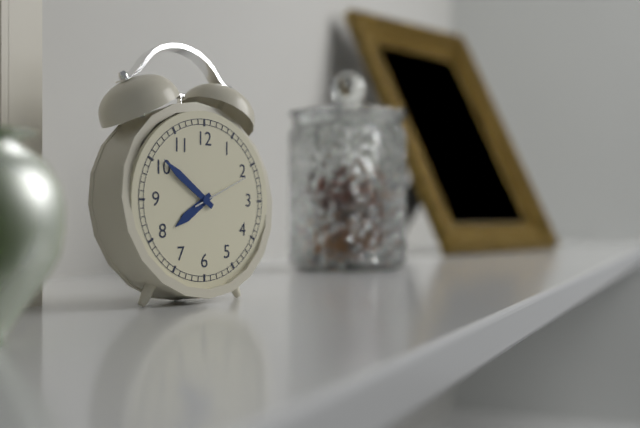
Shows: h=7 m=51 s=11
